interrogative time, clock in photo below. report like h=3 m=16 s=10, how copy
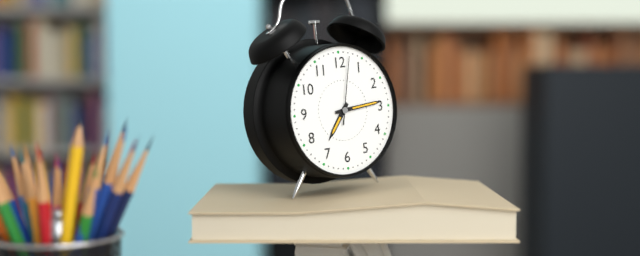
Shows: h=7 m=14 s=2
